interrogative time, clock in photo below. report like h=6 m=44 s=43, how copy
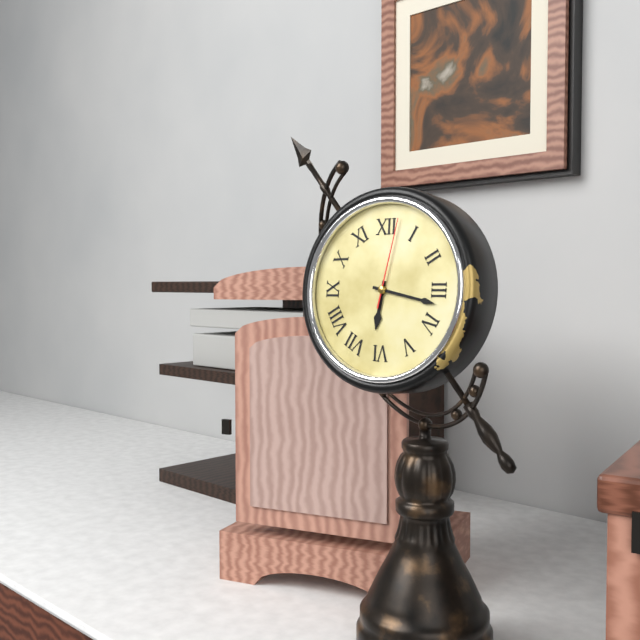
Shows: h=6 m=17 s=2
